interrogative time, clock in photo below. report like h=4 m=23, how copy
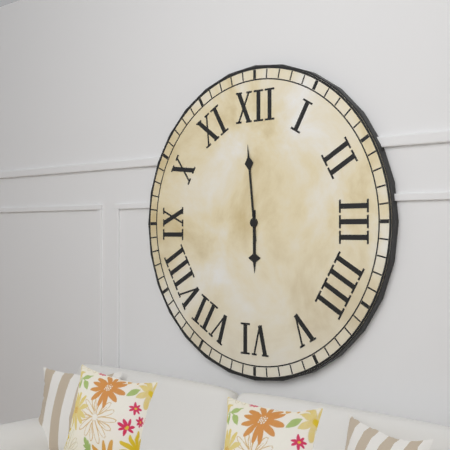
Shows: h=5 m=59
